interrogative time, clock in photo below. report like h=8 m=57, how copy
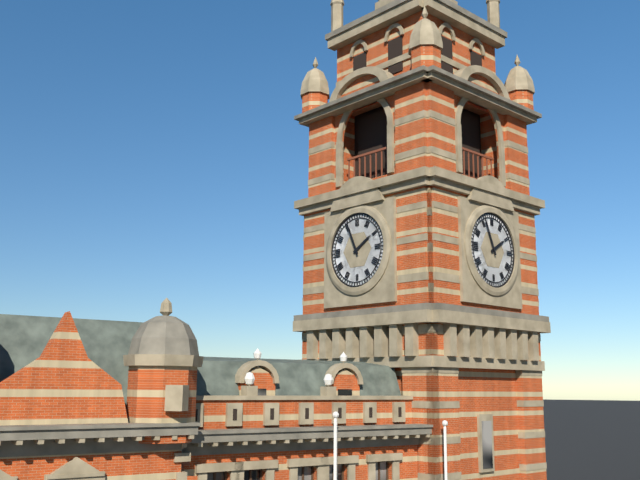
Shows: h=1 m=56
